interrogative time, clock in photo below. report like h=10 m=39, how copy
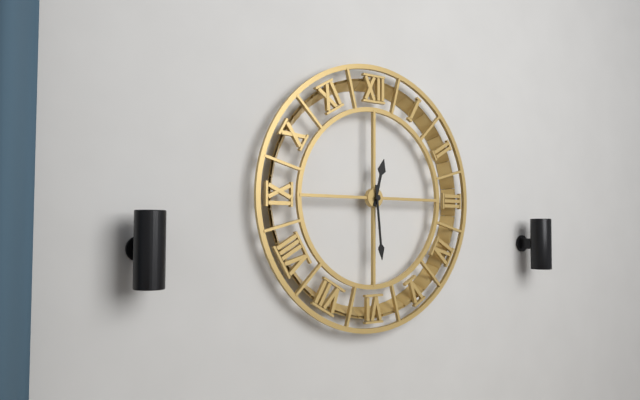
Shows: h=12 m=29
